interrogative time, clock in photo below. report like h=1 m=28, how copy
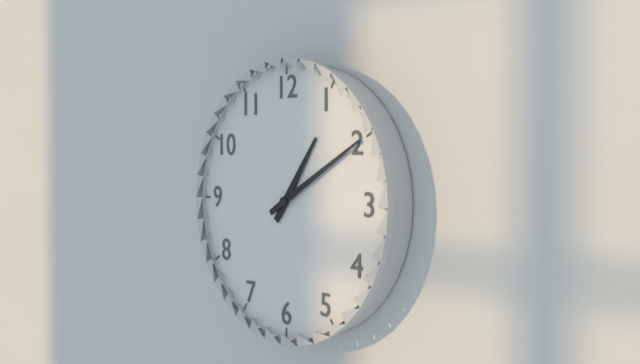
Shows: h=1 m=10
